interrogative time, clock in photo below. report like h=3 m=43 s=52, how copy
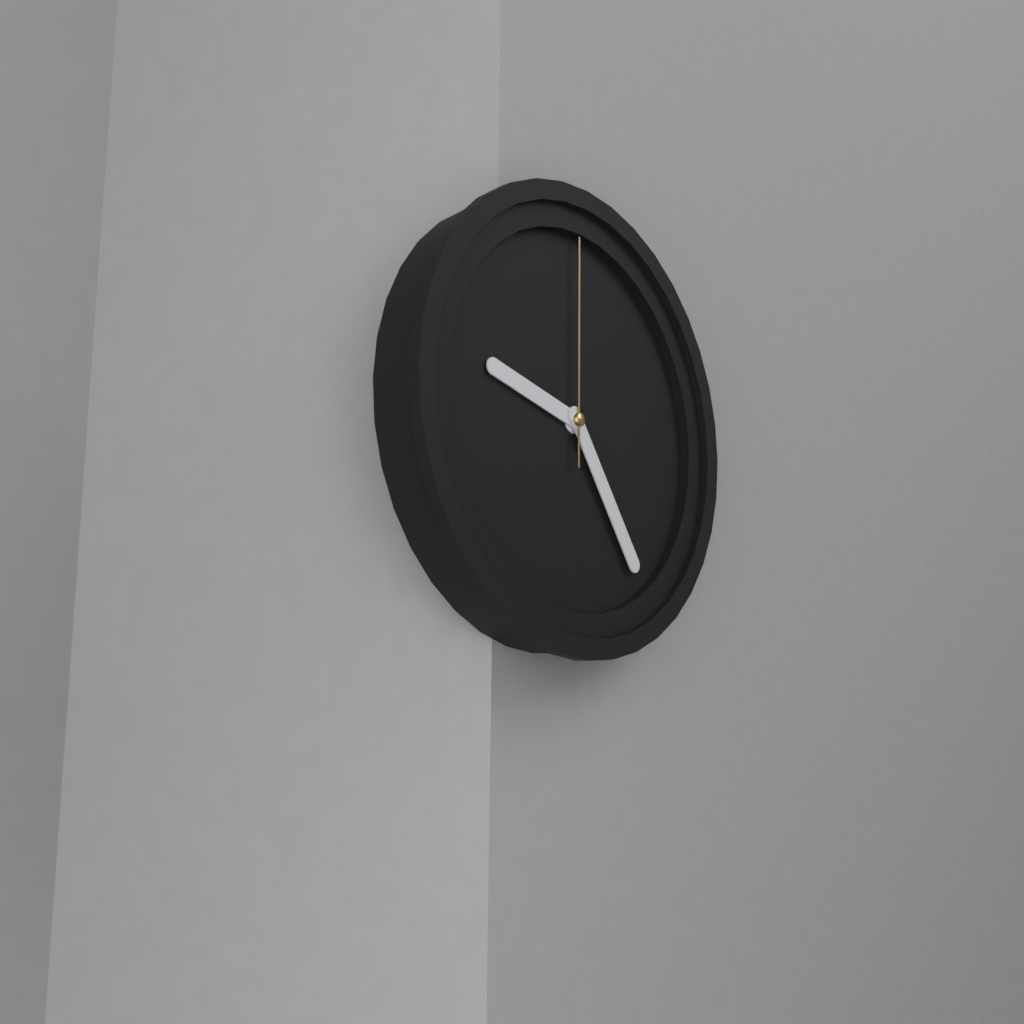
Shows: h=9 m=24 s=0
